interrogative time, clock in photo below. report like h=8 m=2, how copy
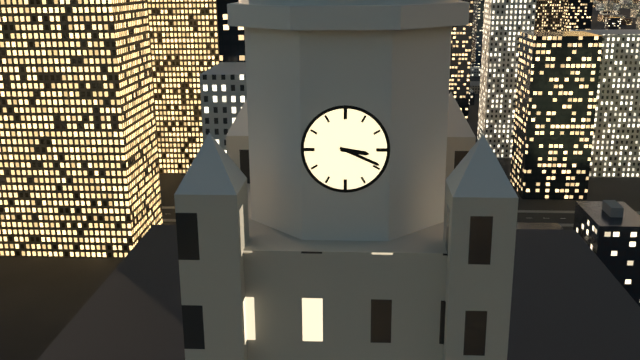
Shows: h=3 m=19
